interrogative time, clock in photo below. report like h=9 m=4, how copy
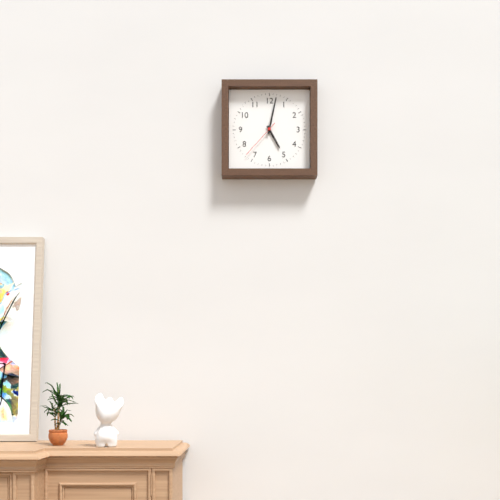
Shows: h=5 m=2
